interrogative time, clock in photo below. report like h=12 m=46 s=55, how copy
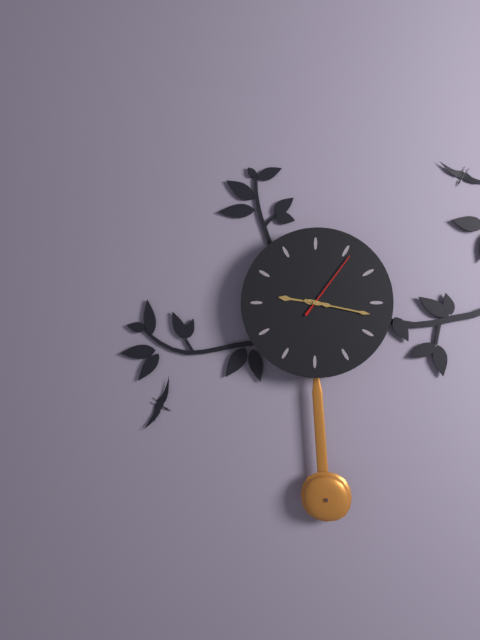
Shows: h=9 m=17 s=6
